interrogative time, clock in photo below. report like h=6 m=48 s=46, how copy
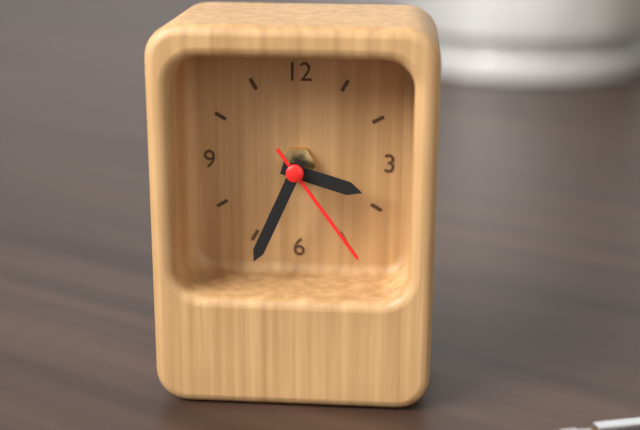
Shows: h=3 m=34 s=24
